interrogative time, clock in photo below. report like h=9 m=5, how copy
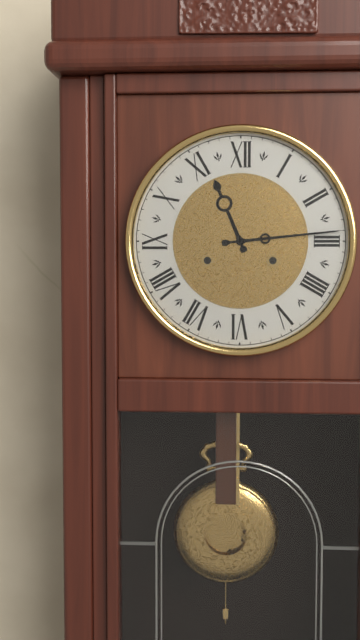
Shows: h=11 m=14
